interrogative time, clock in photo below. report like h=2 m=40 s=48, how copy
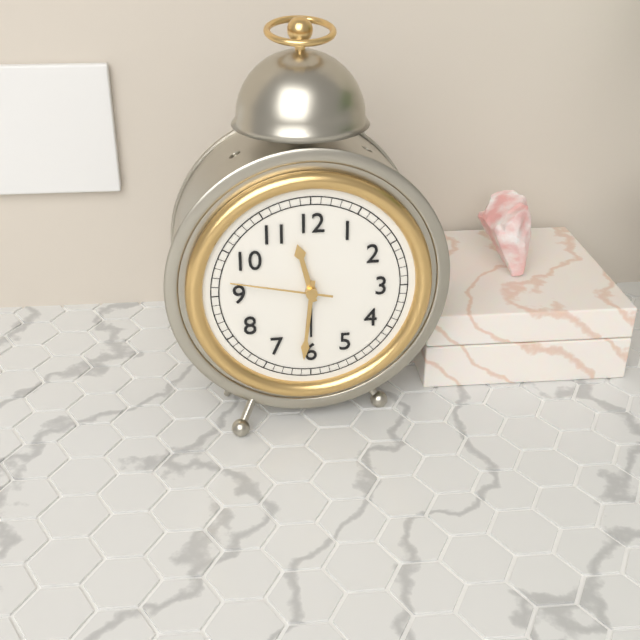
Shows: h=11 m=31 s=47
